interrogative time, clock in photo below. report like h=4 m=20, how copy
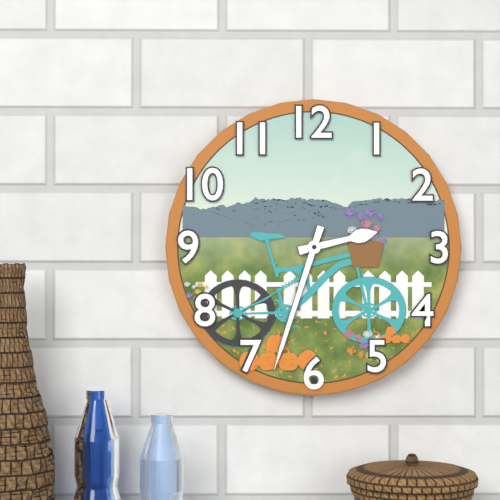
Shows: h=2 m=33
